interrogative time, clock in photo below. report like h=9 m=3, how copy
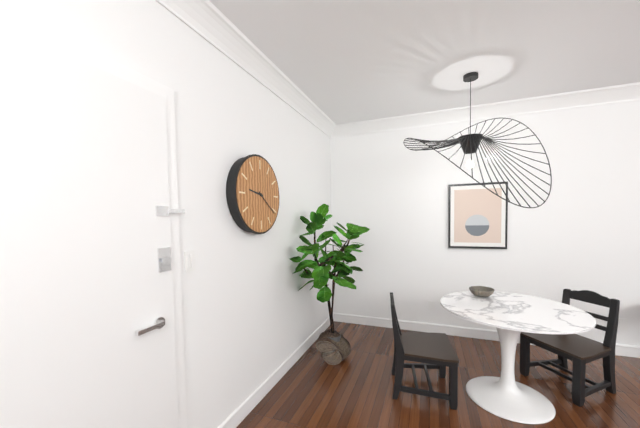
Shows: h=9 m=21
